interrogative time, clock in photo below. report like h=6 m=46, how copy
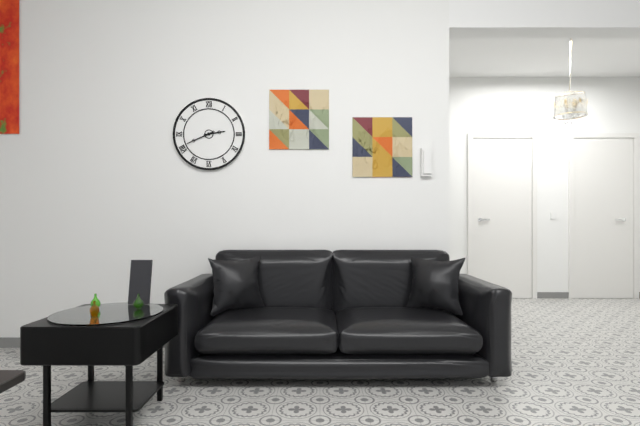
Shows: h=2 m=41
